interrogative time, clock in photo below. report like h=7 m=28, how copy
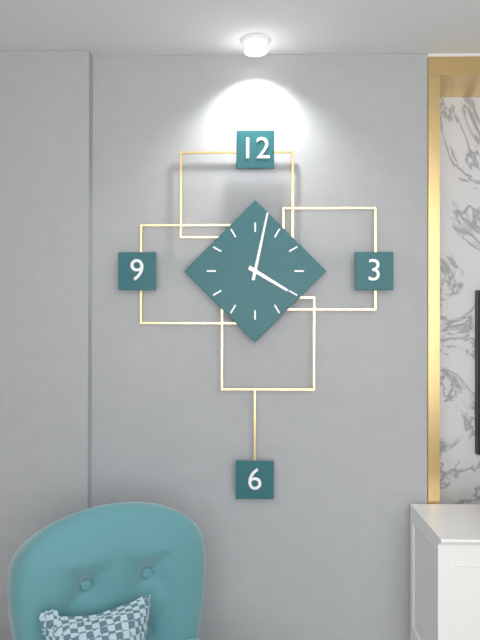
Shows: h=4 m=2
